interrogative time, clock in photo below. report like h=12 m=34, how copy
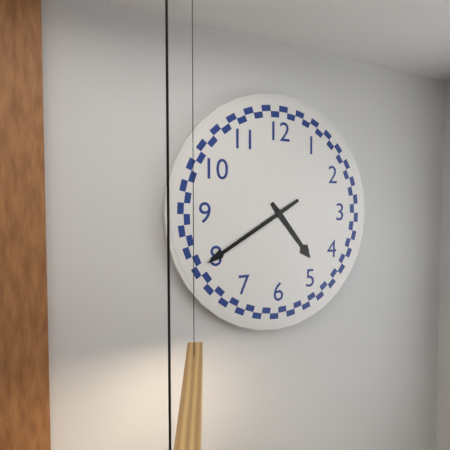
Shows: h=4 m=40
